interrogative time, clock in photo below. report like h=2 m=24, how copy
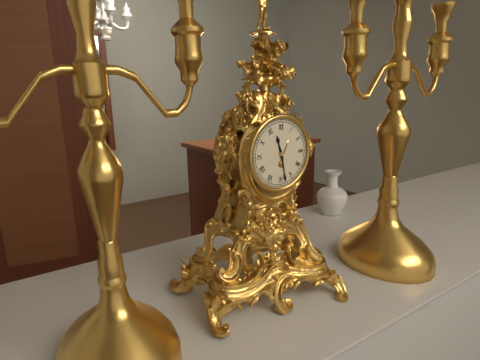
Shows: h=11 m=28
